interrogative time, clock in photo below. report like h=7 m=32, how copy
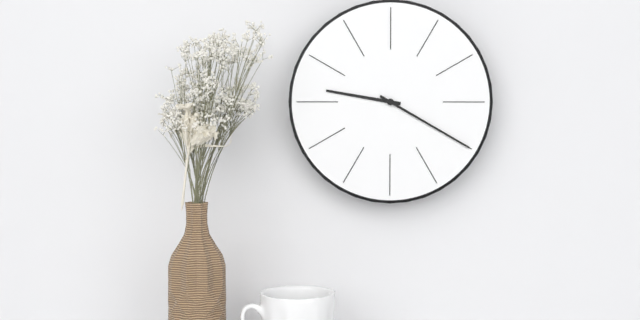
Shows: h=9 m=20
